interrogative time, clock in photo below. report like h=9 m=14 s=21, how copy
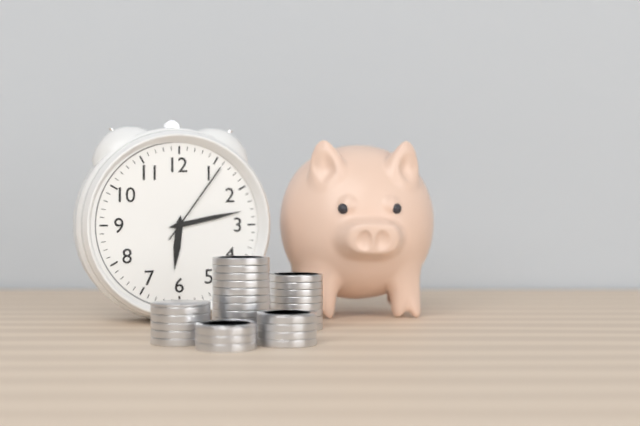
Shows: h=6 m=13 s=6
